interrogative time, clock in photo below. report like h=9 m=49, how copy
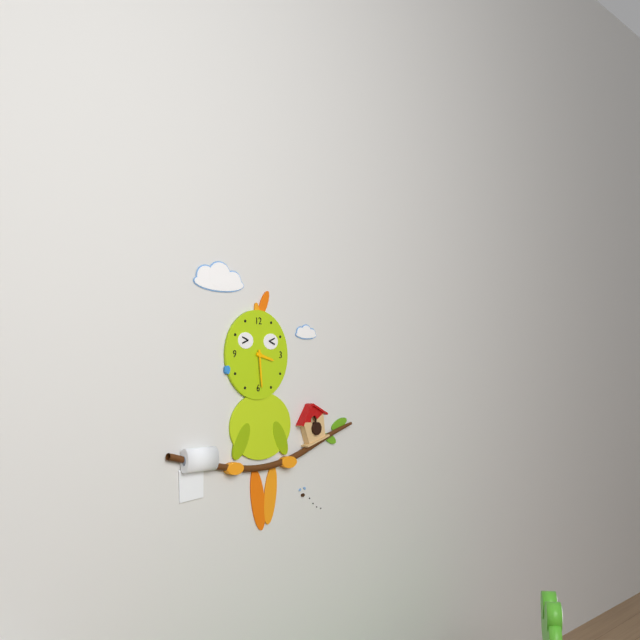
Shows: h=3 m=29
